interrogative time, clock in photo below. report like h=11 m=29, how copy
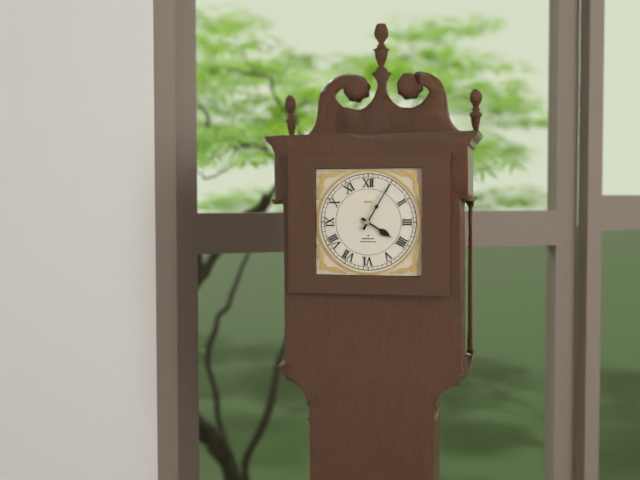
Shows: h=4 m=5
